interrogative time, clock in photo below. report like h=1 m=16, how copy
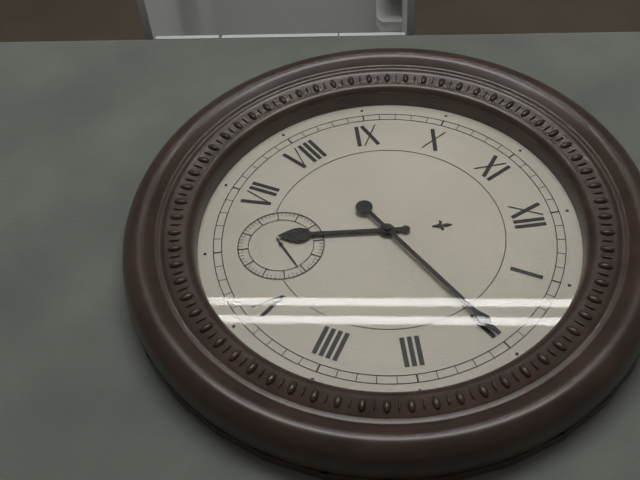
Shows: h=6 m=10
